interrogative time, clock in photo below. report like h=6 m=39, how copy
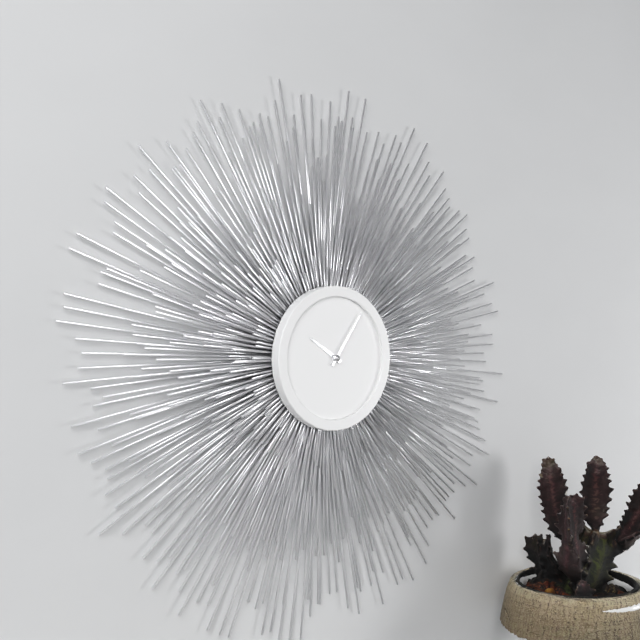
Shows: h=10 m=6
